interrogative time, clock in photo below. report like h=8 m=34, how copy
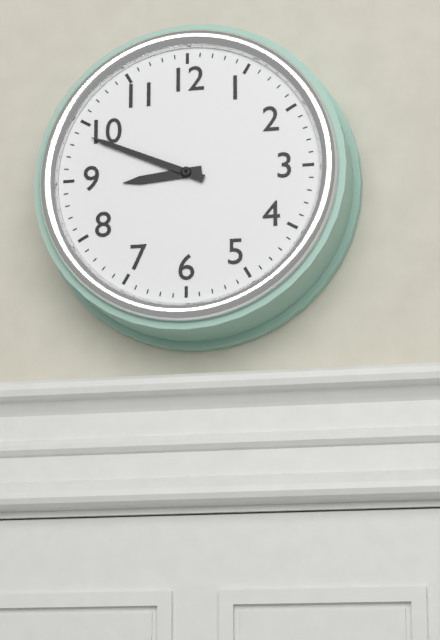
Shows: h=8 m=49
